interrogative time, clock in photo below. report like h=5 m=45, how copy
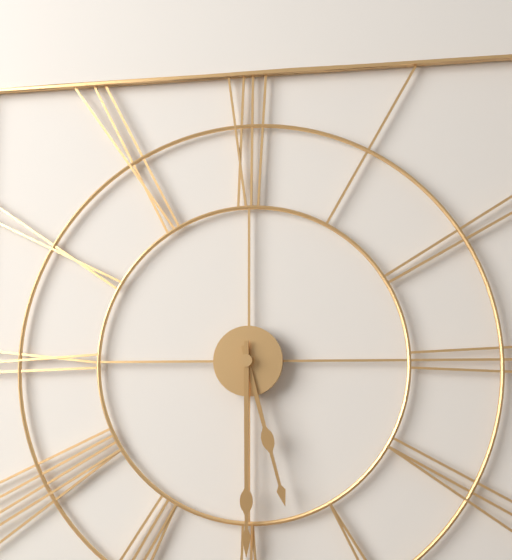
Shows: h=5 m=30
